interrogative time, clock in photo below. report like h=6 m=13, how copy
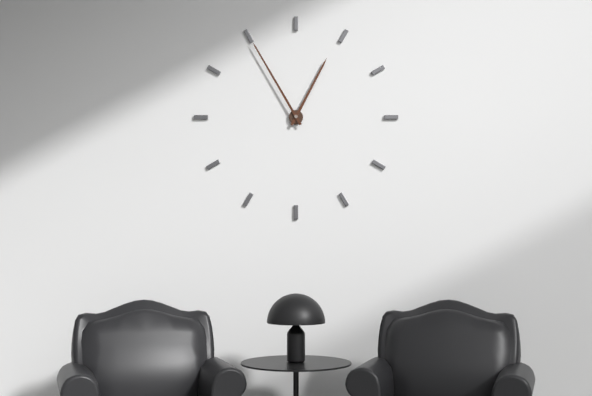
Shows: h=12 m=55
